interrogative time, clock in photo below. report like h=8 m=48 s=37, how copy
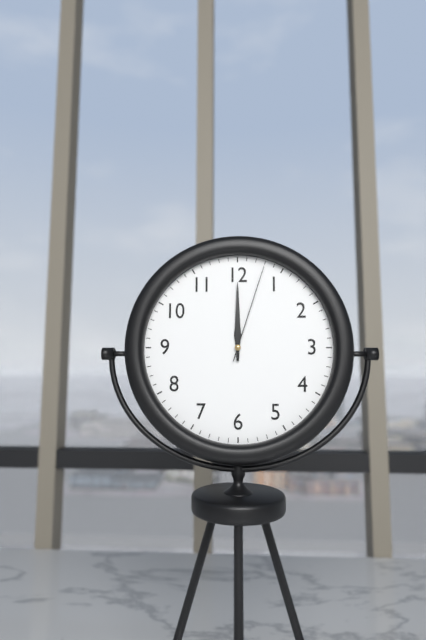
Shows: h=12 m=0 s=3
